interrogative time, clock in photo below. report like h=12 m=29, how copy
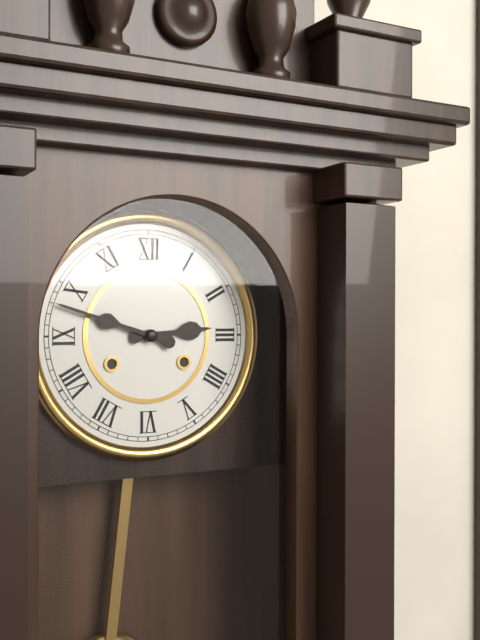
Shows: h=2 m=48
